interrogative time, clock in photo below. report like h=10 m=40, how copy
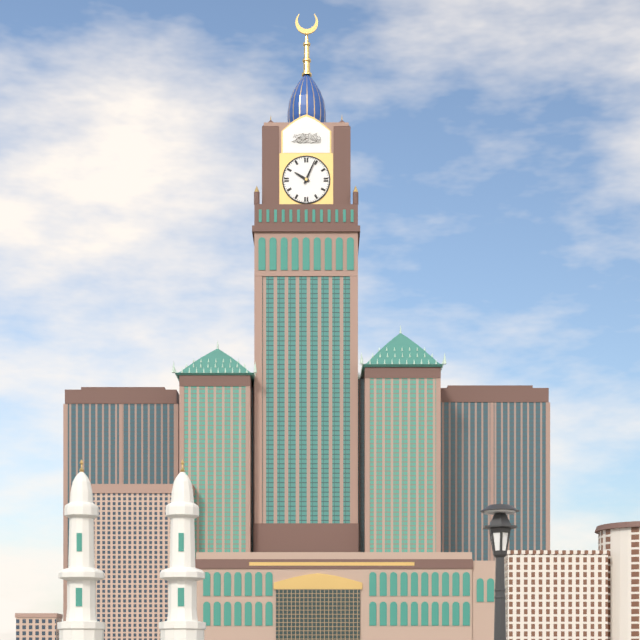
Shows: h=10 m=4
